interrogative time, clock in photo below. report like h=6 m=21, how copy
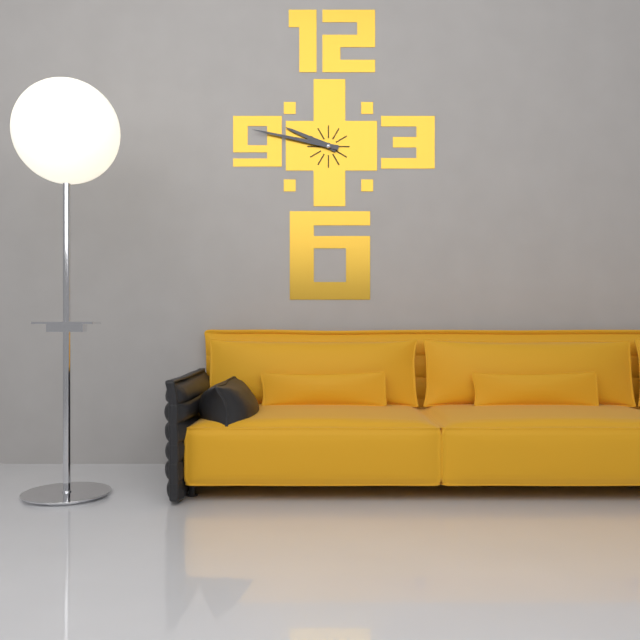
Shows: h=9 m=47
